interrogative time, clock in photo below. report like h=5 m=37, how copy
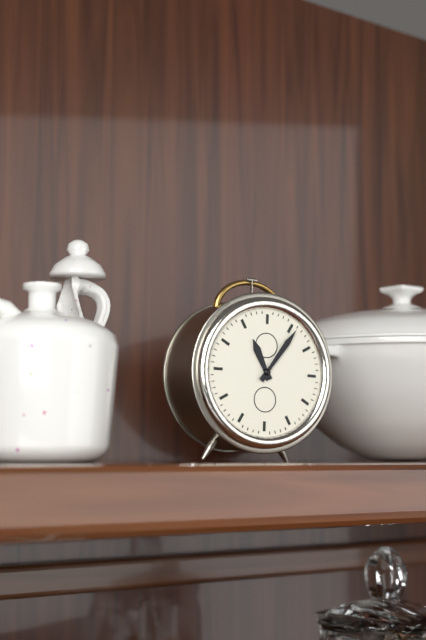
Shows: h=11 m=6
